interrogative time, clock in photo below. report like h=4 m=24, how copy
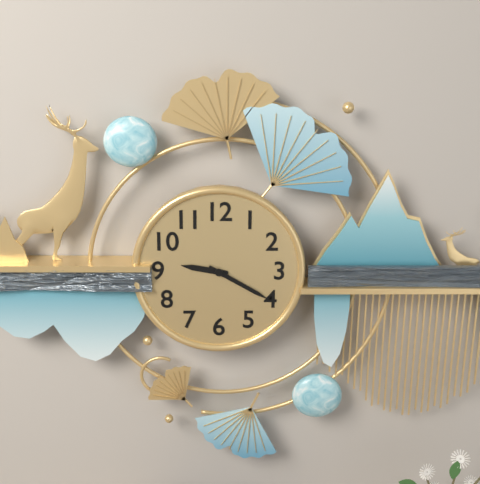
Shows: h=9 m=20
